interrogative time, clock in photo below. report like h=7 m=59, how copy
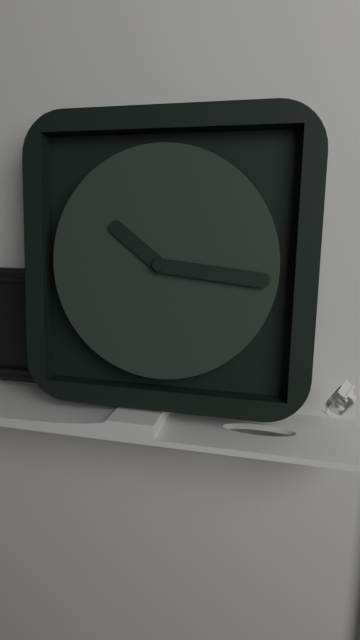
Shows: h=10 m=16
